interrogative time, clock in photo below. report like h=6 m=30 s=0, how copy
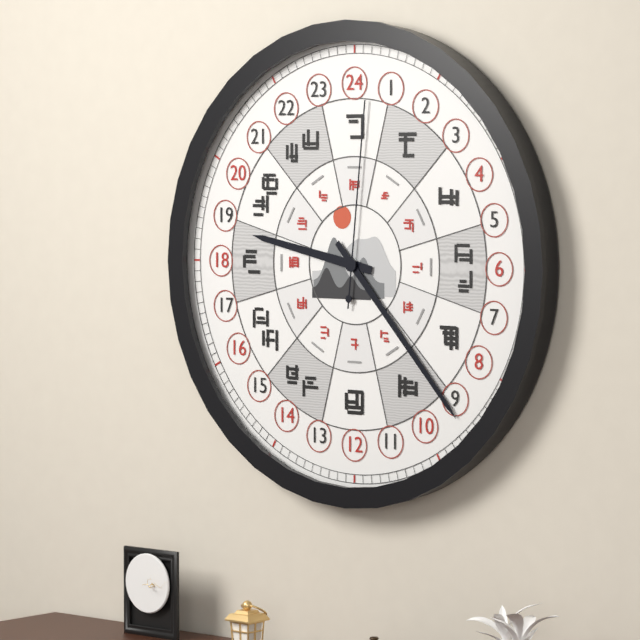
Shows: h=9 m=23 s=1
